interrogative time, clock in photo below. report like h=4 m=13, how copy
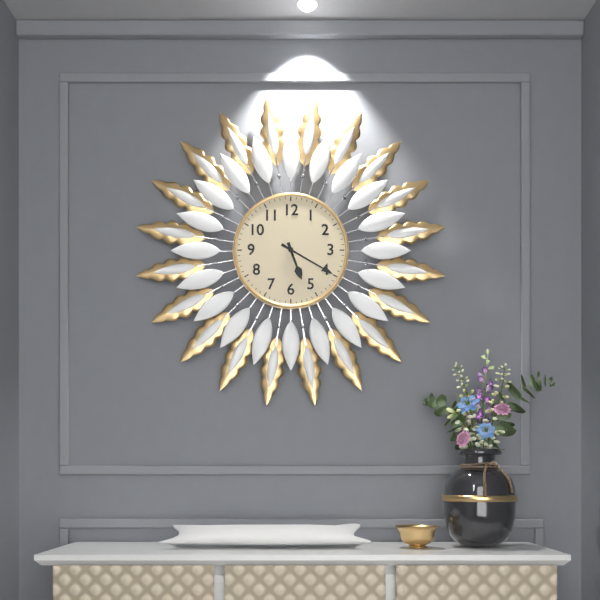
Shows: h=5 m=20
